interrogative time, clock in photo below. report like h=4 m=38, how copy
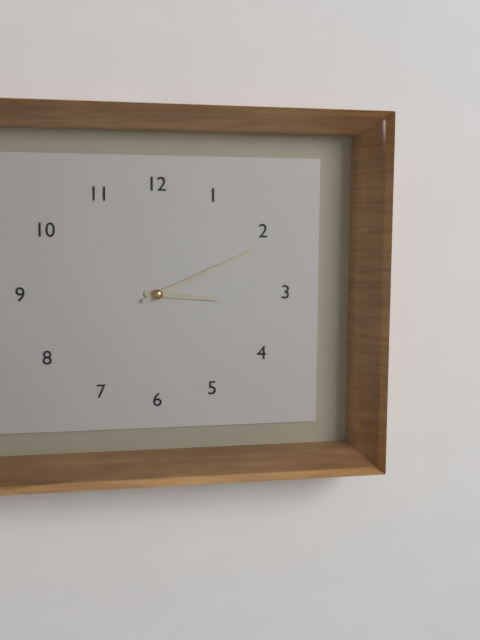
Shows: h=3 m=11
